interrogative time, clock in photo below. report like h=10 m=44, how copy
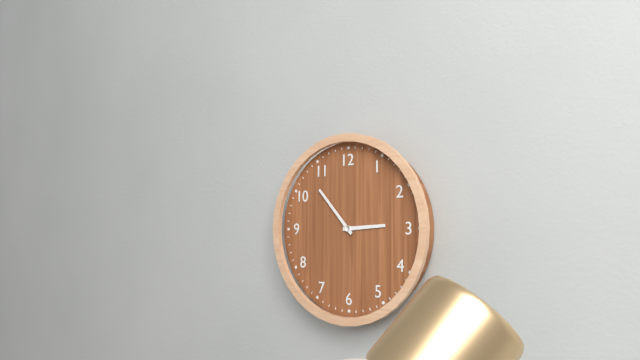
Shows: h=2 m=53
